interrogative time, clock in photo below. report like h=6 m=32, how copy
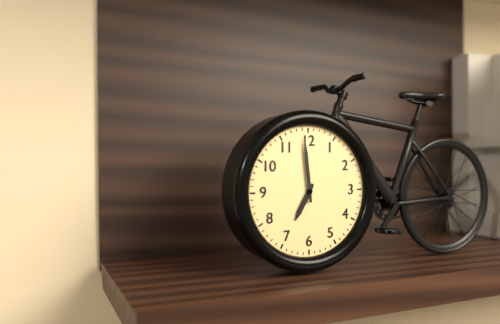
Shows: h=6 m=59
